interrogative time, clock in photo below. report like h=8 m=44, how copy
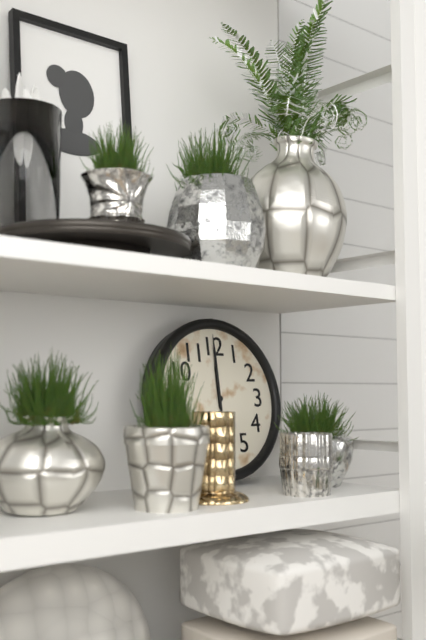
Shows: h=12 m=0
